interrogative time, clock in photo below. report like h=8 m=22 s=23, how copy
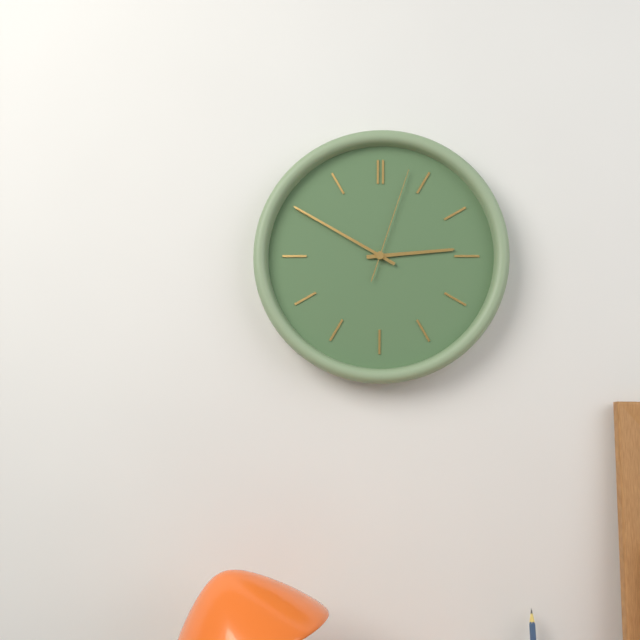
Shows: h=2 m=50 s=3
